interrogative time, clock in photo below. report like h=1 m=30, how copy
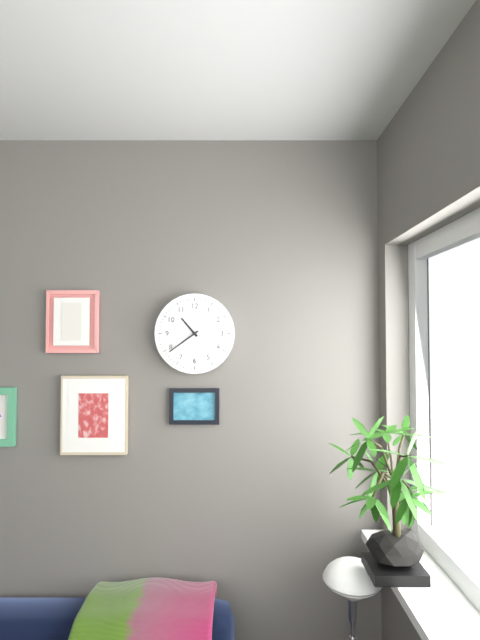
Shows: h=10 m=39
